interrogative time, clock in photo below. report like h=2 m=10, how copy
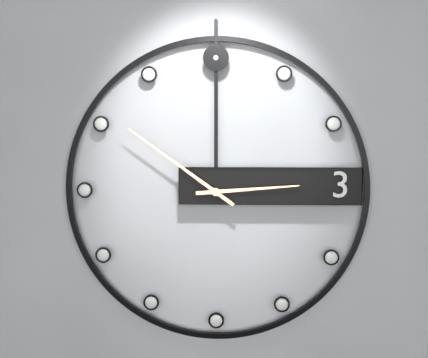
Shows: h=2 m=51
